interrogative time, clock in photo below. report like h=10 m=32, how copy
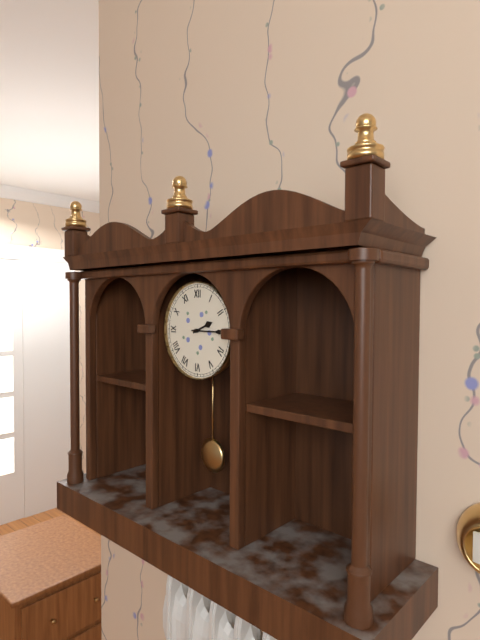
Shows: h=2 m=15
